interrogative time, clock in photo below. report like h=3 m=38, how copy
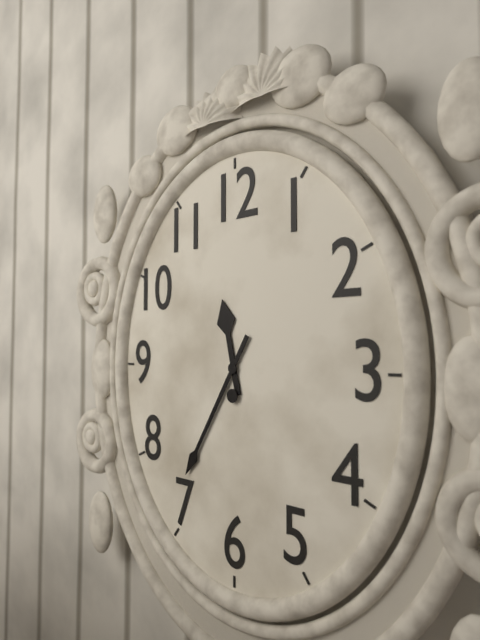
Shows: h=11 m=35
